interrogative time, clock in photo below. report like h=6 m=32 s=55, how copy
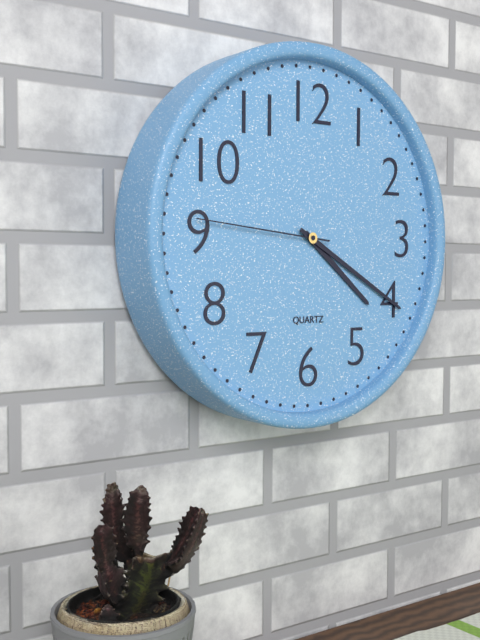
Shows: h=4 m=20 s=46
